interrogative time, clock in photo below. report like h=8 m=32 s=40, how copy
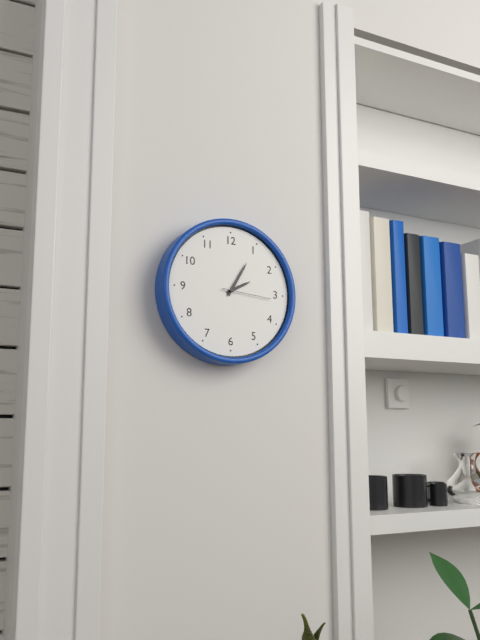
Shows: h=2 m=5 s=16
